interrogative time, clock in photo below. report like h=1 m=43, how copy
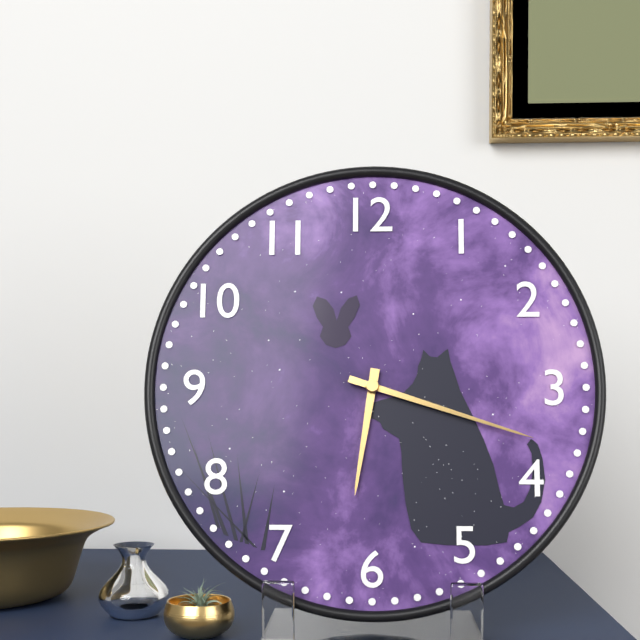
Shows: h=6 m=18
